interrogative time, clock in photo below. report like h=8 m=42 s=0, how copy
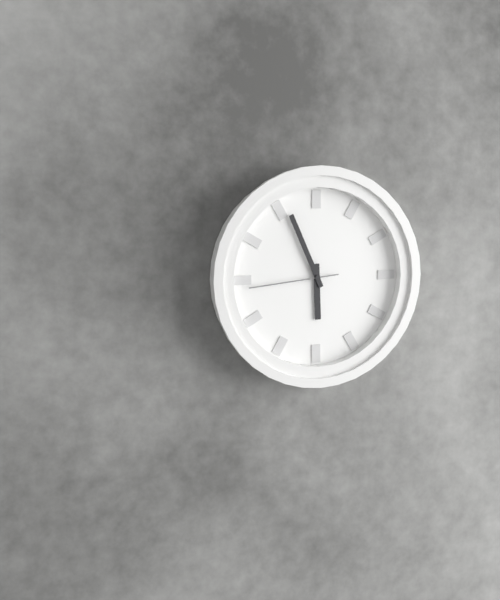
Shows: h=5 m=56 s=44
